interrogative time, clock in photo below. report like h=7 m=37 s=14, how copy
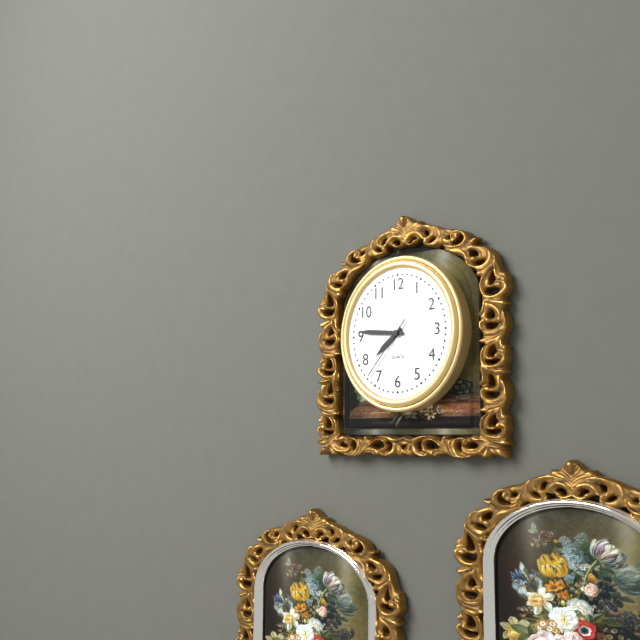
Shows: h=7 m=46 s=37
